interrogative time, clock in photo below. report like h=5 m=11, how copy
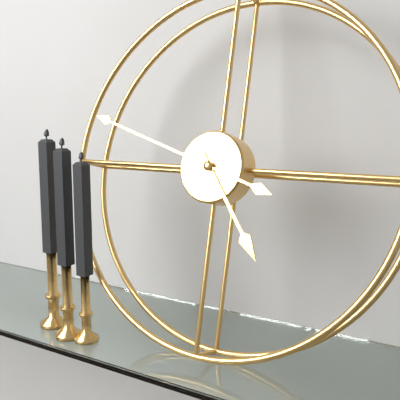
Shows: h=4 m=48
